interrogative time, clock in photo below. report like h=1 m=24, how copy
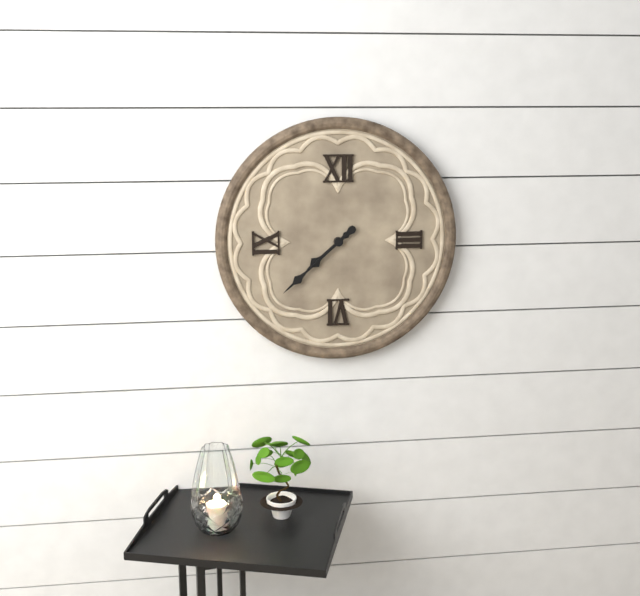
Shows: h=7 m=38
